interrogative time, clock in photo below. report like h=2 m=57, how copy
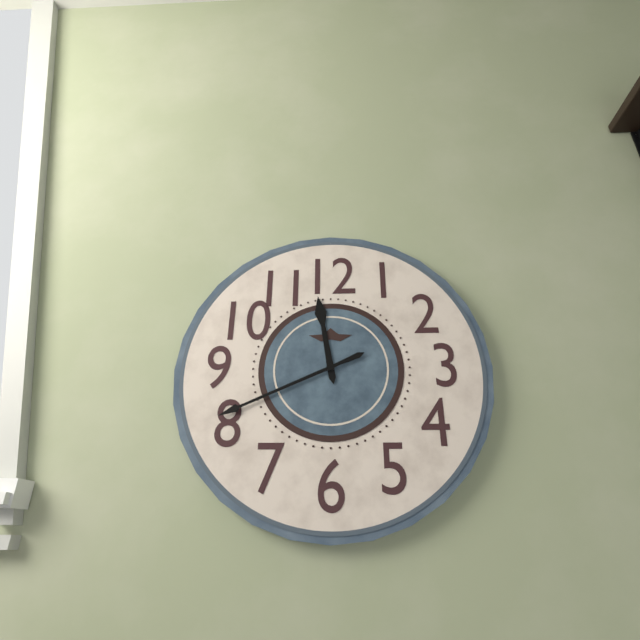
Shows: h=11 m=41
